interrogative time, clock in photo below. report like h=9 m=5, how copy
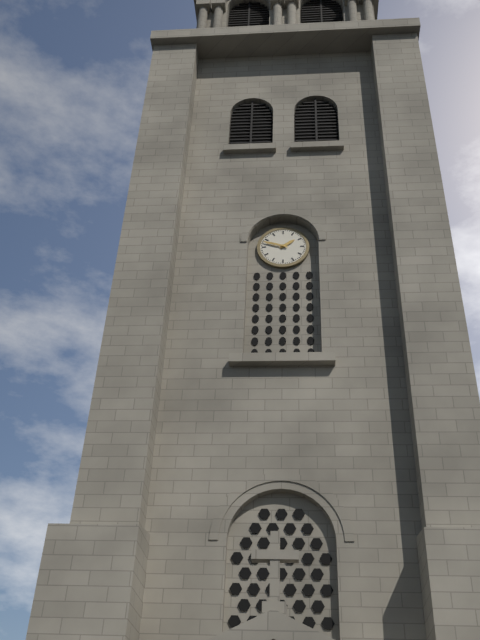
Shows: h=1 m=48
